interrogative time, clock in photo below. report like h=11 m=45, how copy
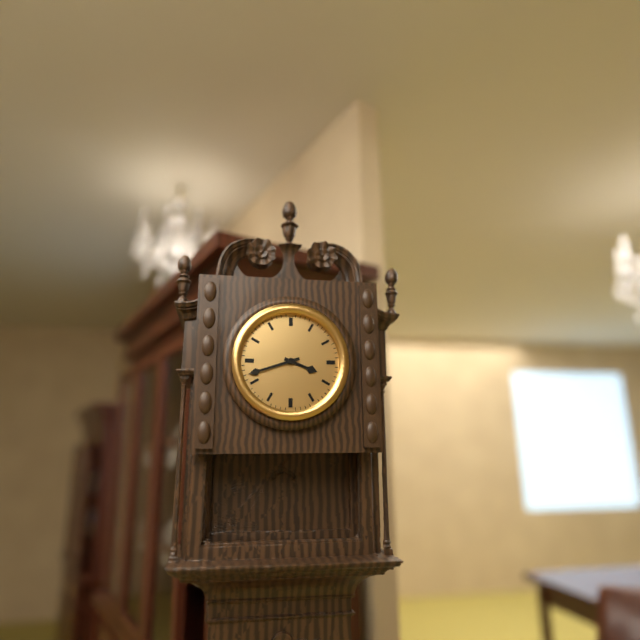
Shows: h=3 m=42
